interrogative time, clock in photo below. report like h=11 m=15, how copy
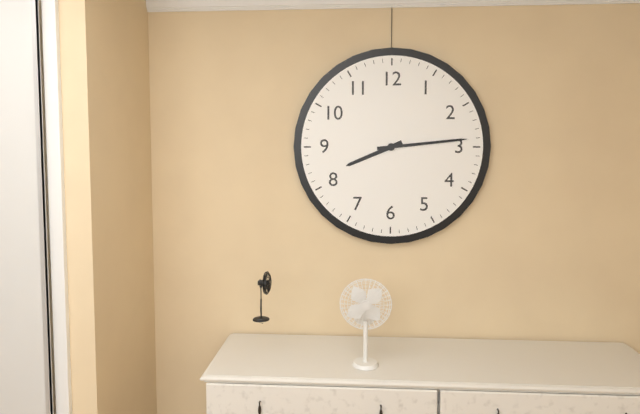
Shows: h=8 m=14
